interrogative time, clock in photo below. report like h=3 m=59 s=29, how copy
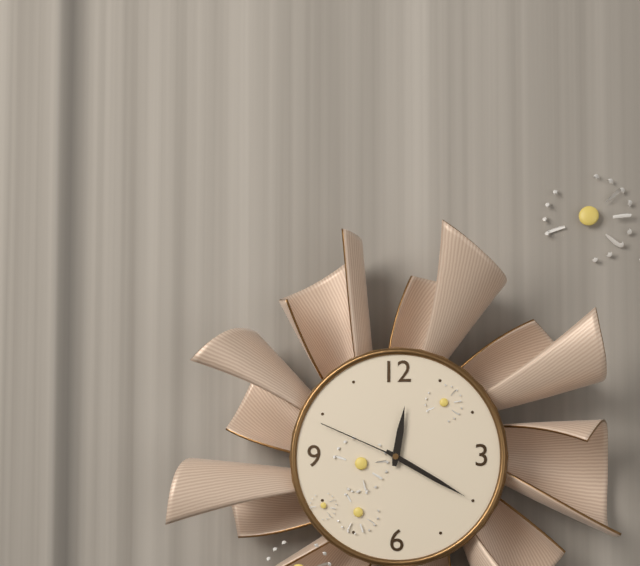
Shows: h=12 m=20 s=49
